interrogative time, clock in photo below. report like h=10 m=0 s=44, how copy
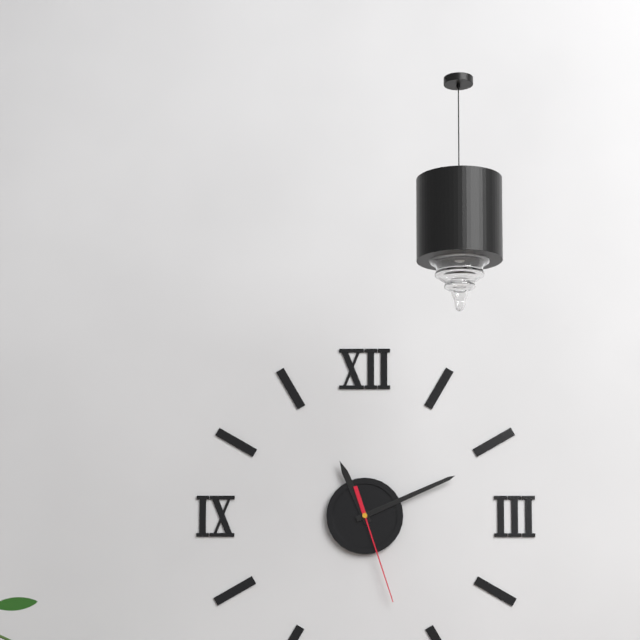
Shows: h=11 m=11 s=27
